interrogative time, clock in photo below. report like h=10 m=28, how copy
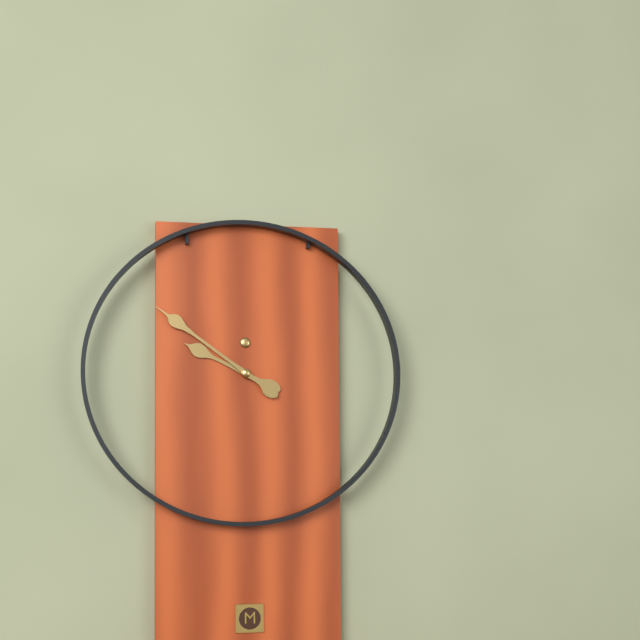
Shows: h=9 m=51
